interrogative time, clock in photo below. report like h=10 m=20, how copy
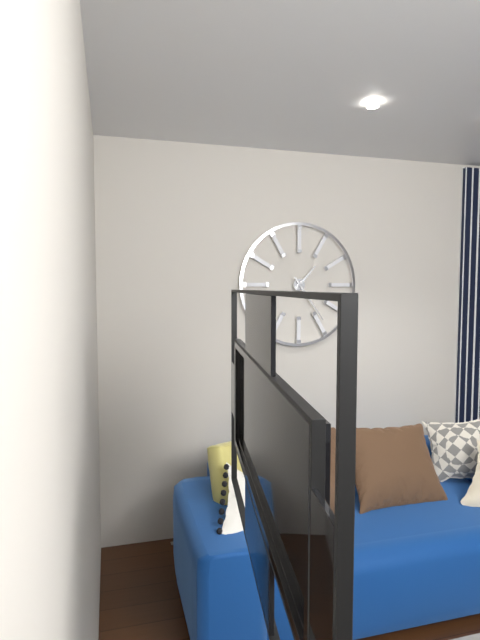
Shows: h=1 m=24
